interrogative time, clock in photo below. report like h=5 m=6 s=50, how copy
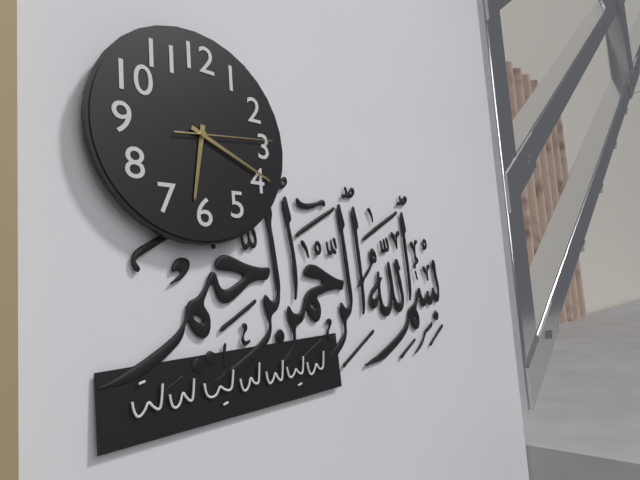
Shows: h=6 m=19 s=14
